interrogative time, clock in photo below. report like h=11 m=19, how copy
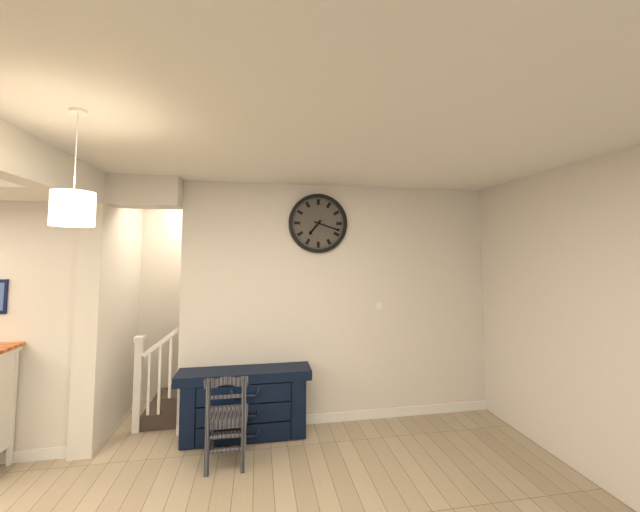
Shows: h=7 m=18
